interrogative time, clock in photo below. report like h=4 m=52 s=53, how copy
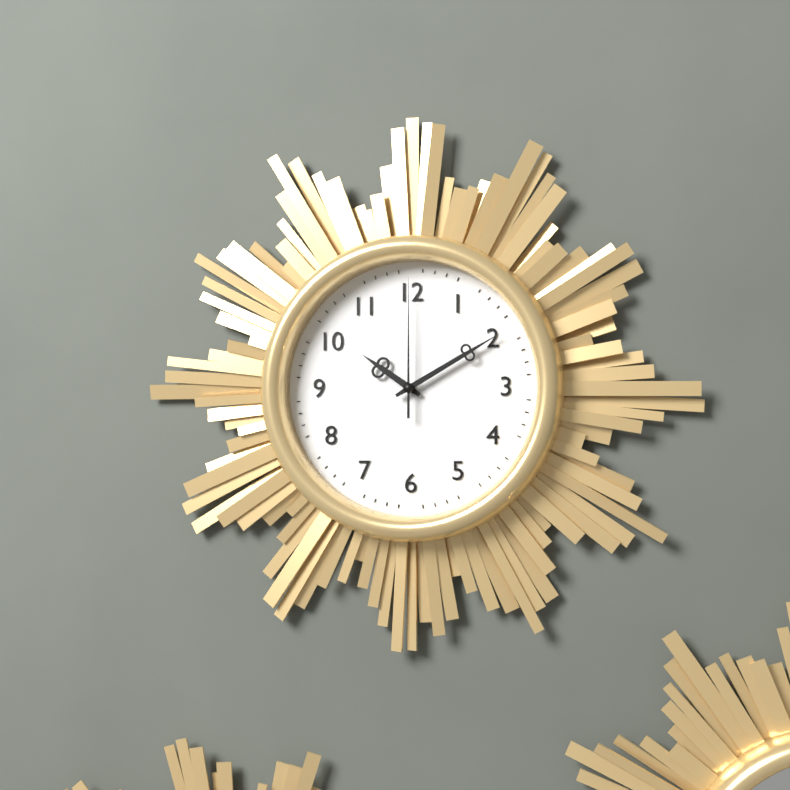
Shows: h=10 m=10 s=0
